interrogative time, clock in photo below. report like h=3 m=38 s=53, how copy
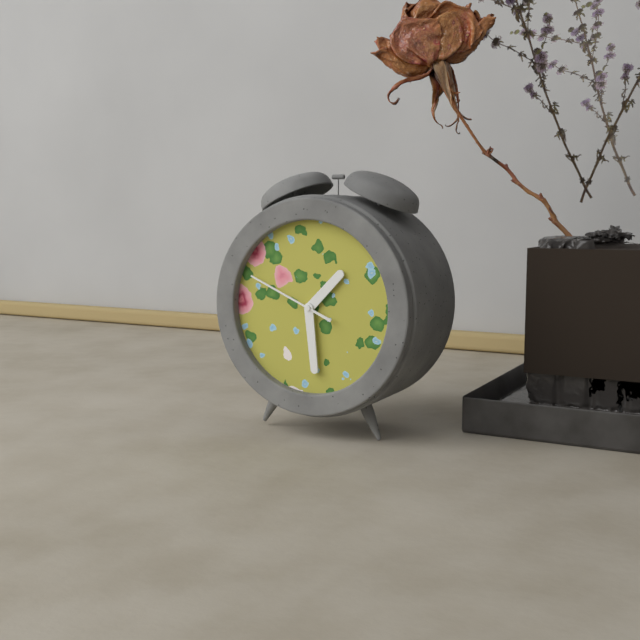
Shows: h=1 m=29 s=49
